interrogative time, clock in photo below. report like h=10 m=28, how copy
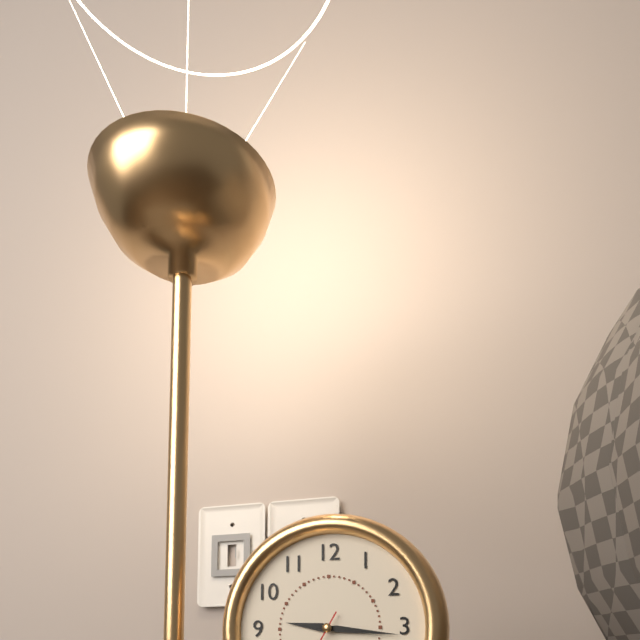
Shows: h=9 m=16
